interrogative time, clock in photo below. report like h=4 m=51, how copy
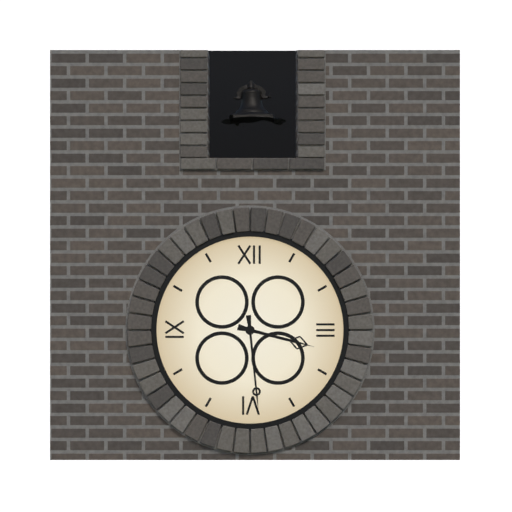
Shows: h=3 m=29
